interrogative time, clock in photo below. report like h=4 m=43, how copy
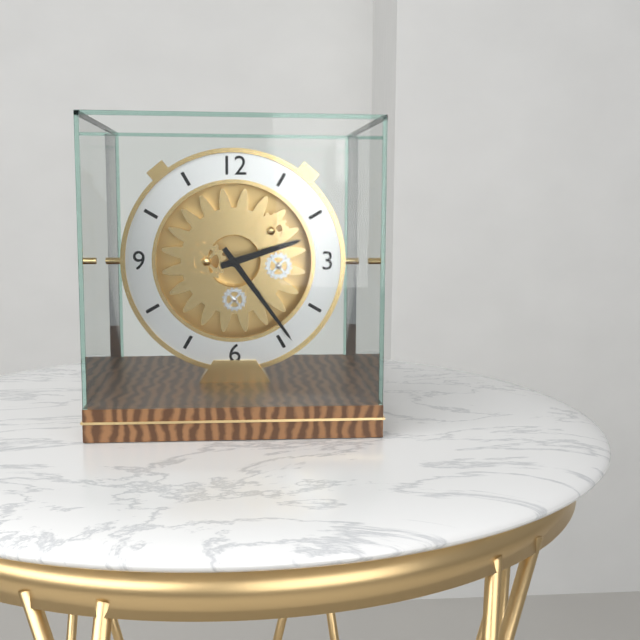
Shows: h=2 m=24
